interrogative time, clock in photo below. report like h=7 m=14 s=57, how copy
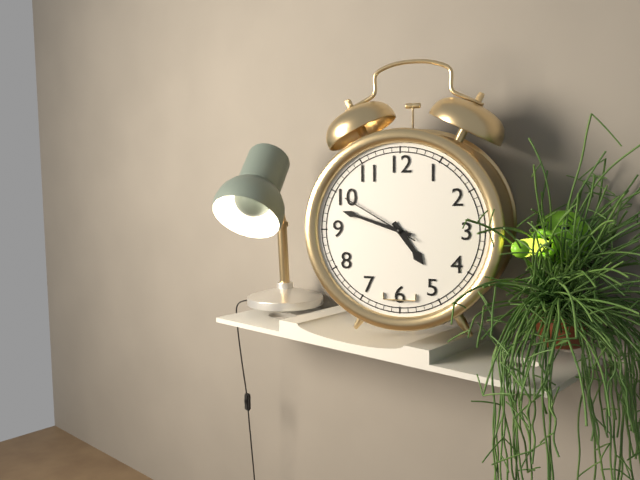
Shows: h=4 m=48 s=50
